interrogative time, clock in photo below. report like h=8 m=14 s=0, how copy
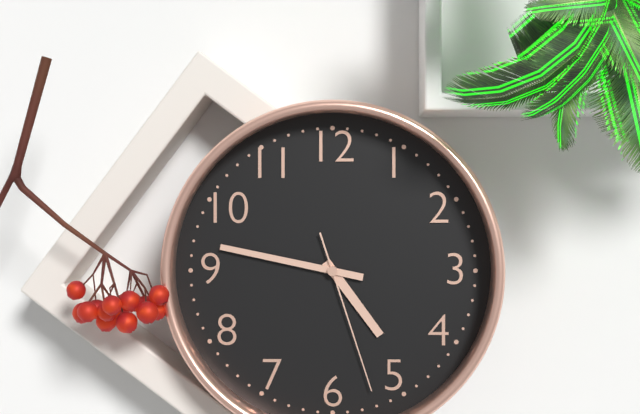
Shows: h=4 m=47 s=27
